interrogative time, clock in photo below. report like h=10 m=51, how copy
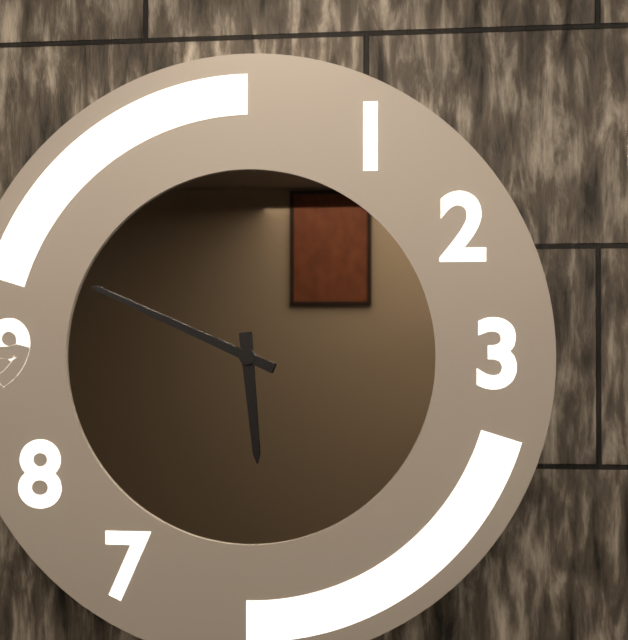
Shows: h=5 m=49
